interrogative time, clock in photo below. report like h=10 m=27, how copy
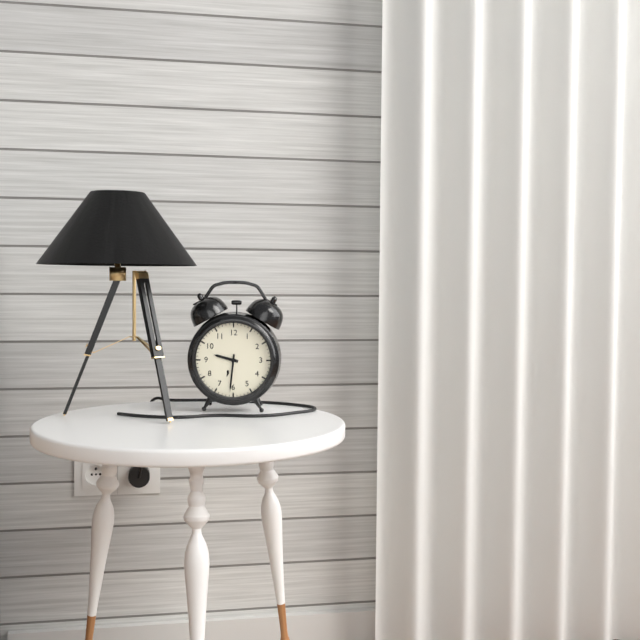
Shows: h=9 m=31
